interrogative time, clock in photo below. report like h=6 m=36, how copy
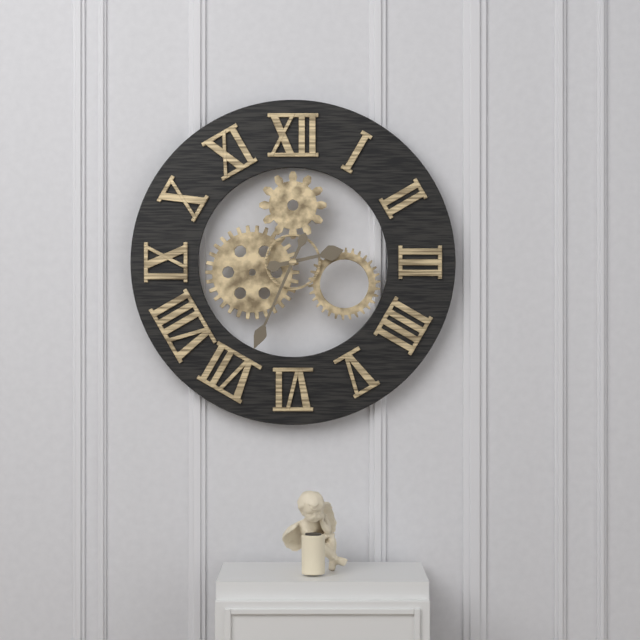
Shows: h=2 m=34
